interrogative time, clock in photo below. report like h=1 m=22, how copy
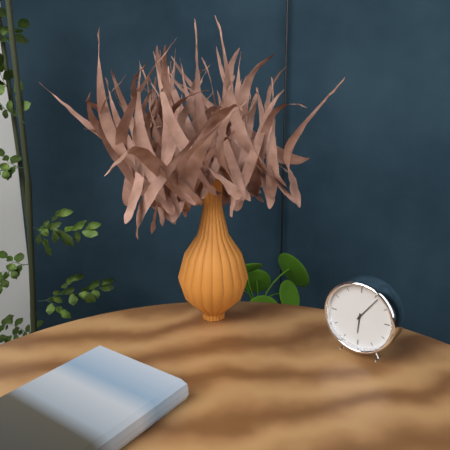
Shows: h=6 m=6
